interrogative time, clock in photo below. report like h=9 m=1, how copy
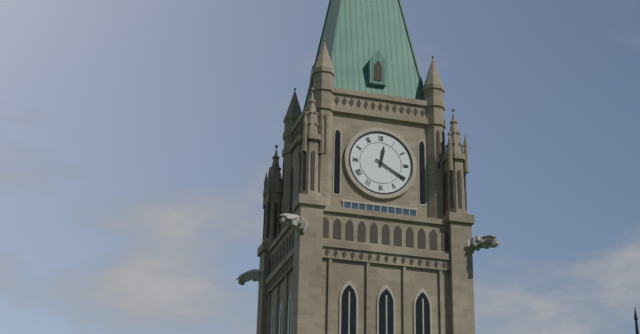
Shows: h=12 m=20
